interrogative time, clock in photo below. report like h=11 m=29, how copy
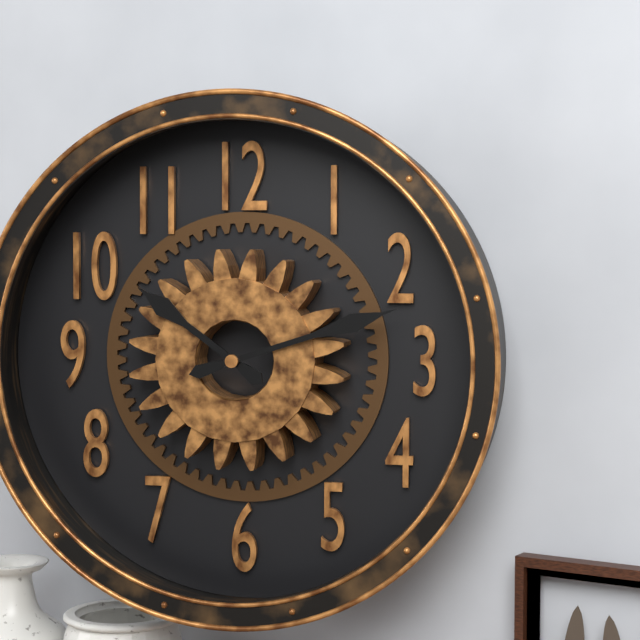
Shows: h=10 m=12
